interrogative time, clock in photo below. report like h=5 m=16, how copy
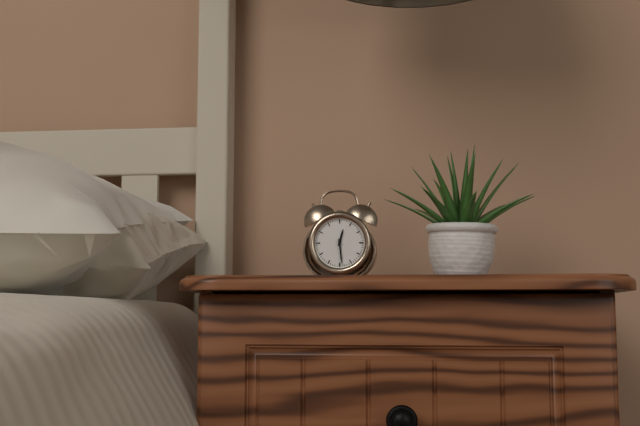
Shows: h=12 m=29
